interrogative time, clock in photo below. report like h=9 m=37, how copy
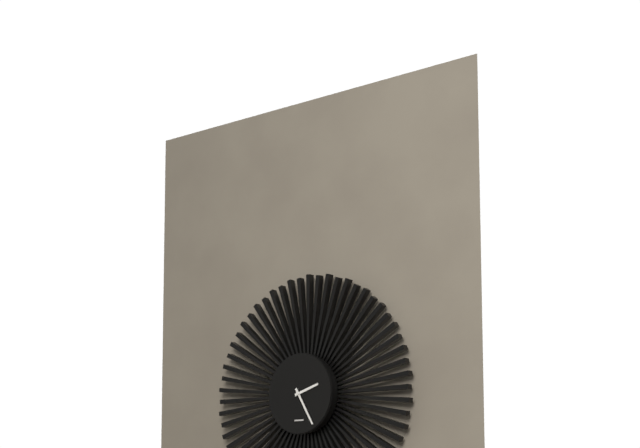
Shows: h=2 m=25
